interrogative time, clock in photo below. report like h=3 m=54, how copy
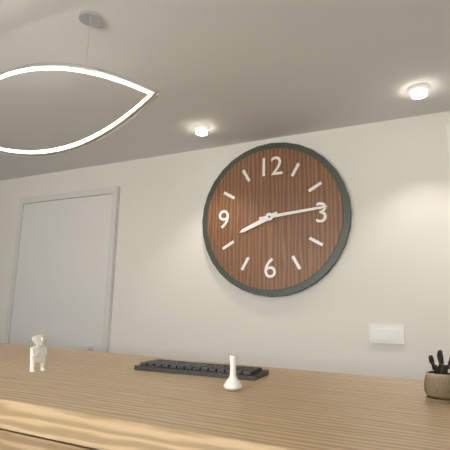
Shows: h=8 m=14
